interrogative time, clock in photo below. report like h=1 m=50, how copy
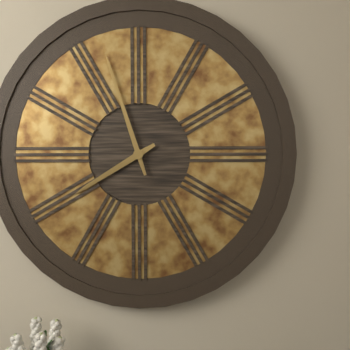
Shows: h=7 m=57
